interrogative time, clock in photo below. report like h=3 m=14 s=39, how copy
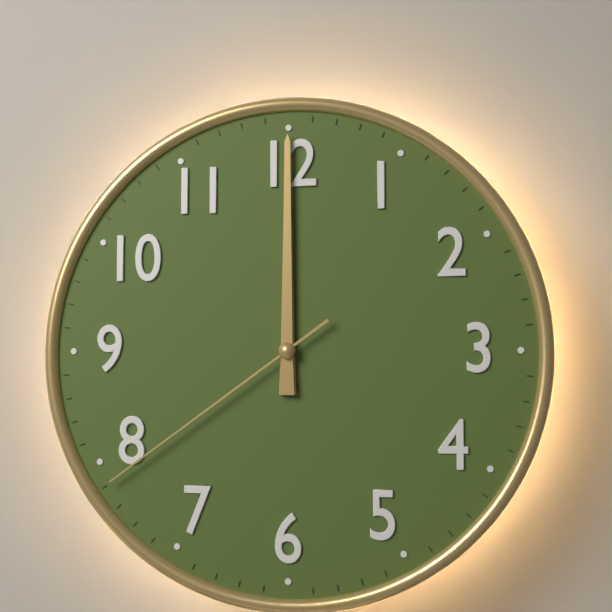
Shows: h=12 m=0 s=39
